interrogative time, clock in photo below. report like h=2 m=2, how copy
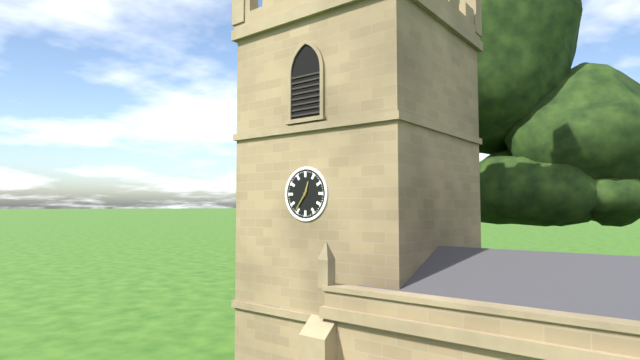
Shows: h=12 m=36
